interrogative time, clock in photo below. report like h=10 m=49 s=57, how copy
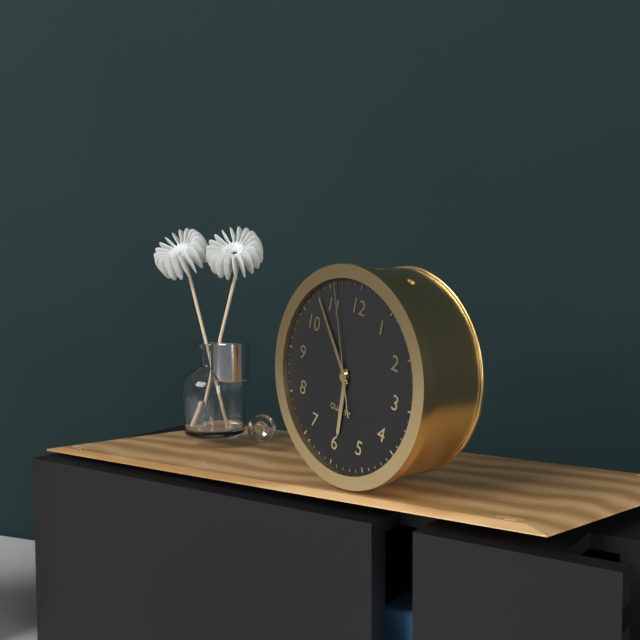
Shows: h=5 m=53 s=56
